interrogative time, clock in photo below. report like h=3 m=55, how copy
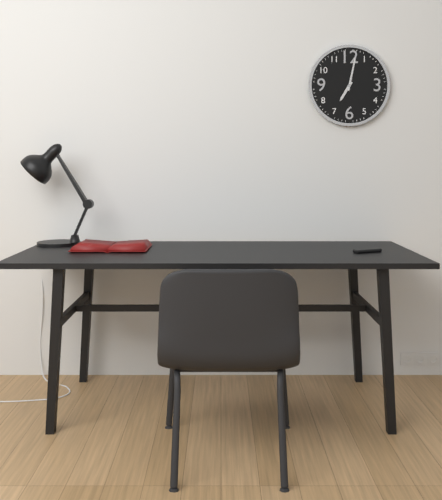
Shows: h=7 m=2
